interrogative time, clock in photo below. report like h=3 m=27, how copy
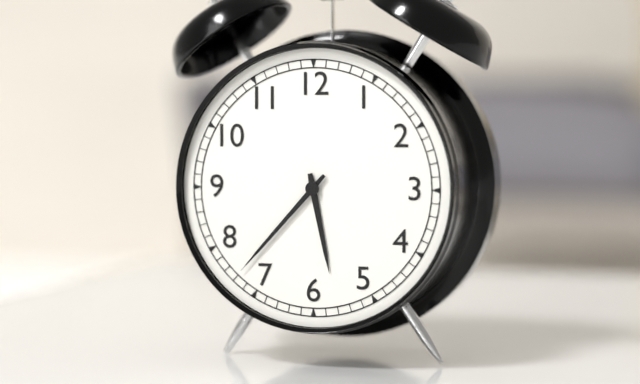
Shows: h=5 m=37
